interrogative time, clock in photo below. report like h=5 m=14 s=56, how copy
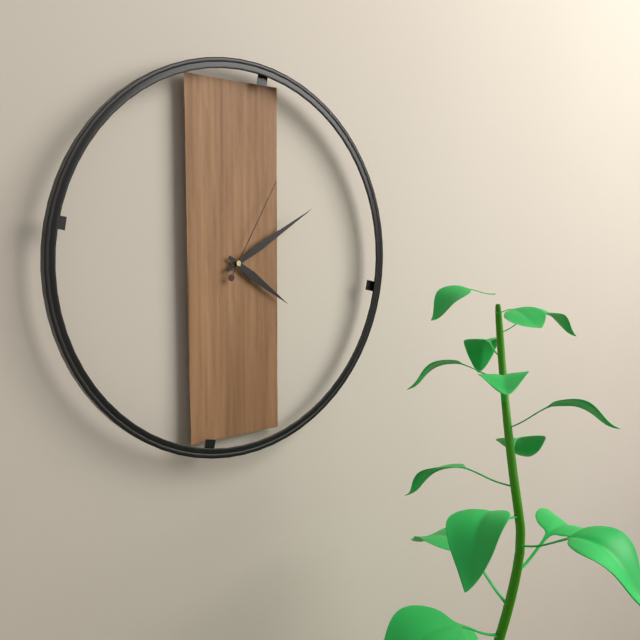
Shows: h=4 m=10 s=5
